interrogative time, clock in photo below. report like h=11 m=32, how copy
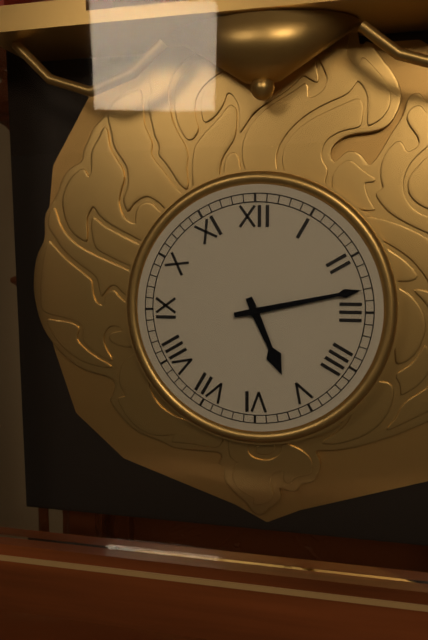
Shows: h=5 m=13
